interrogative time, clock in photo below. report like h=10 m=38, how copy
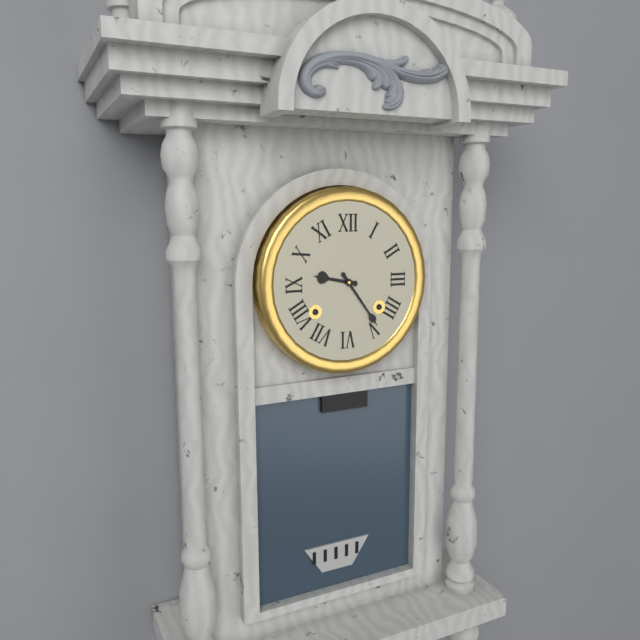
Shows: h=9 m=24
